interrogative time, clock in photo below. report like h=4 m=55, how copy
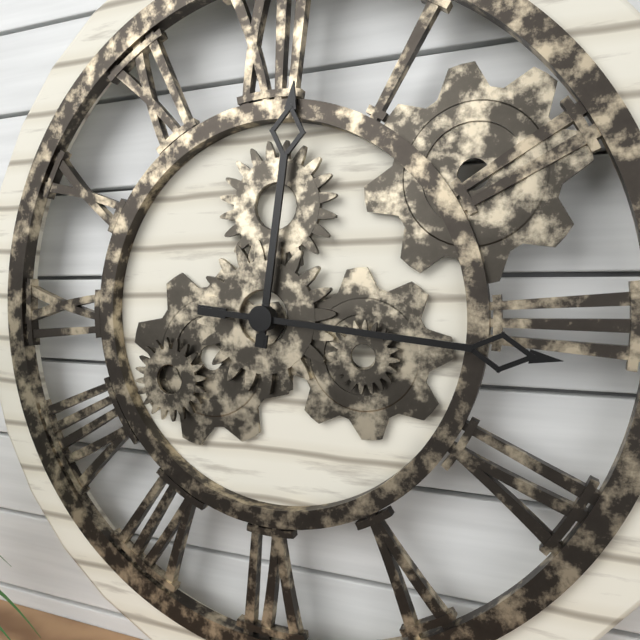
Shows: h=12 m=16
